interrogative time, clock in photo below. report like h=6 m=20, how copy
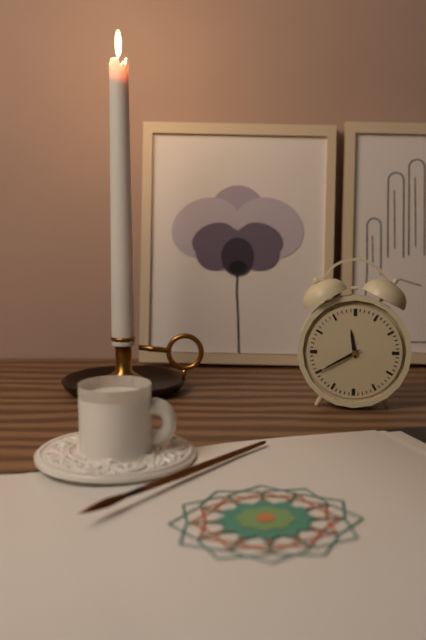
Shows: h=11 m=40
